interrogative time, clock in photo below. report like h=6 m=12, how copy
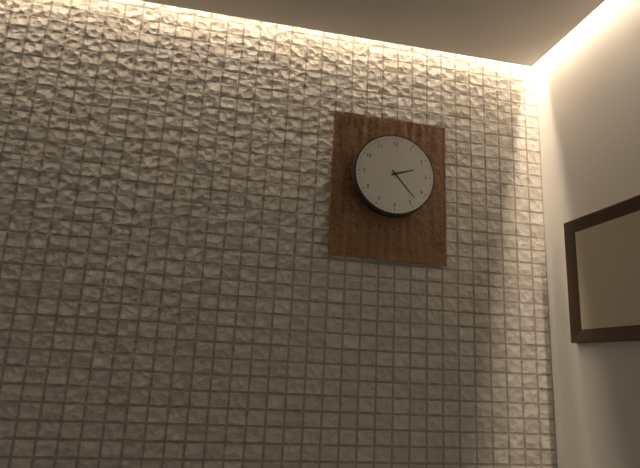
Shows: h=2 m=23
